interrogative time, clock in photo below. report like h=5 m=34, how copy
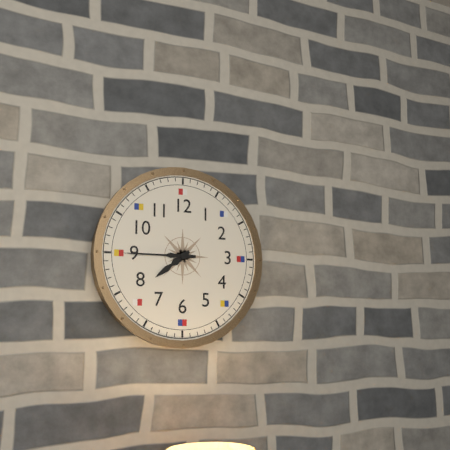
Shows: h=7 m=45
